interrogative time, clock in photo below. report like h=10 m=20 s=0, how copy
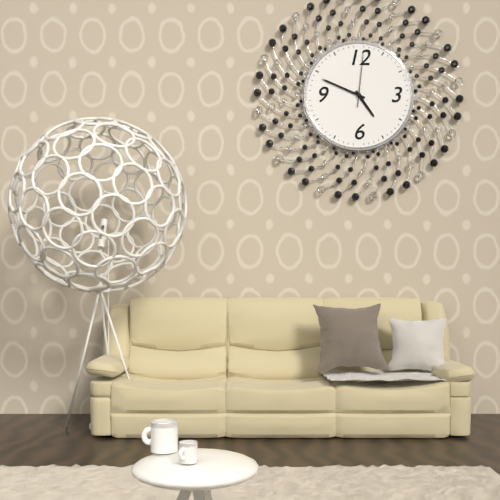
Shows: h=4 m=49 s=1
